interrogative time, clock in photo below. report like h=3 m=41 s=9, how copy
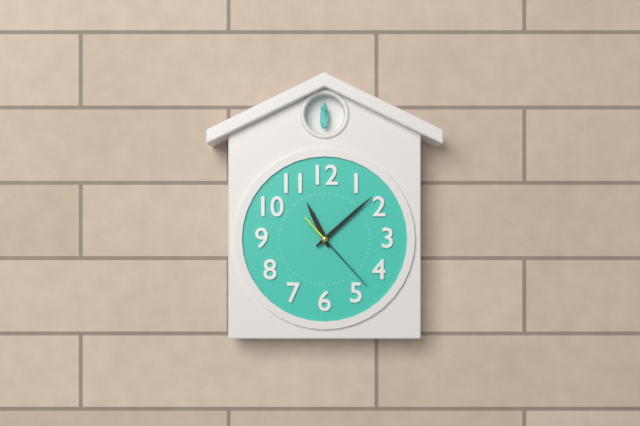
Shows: h=11 m=8 s=23
